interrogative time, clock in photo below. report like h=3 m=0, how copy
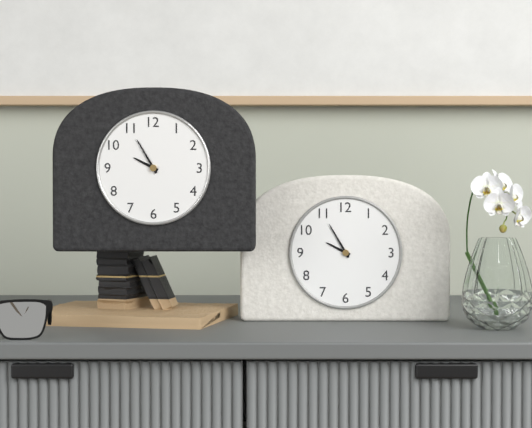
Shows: h=9 m=55
